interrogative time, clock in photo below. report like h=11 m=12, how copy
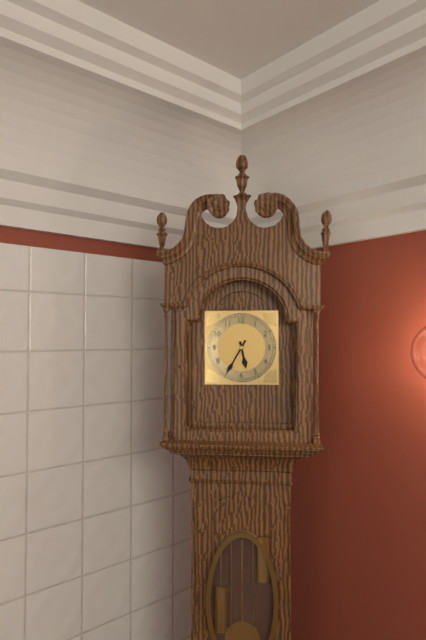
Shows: h=5 m=35
